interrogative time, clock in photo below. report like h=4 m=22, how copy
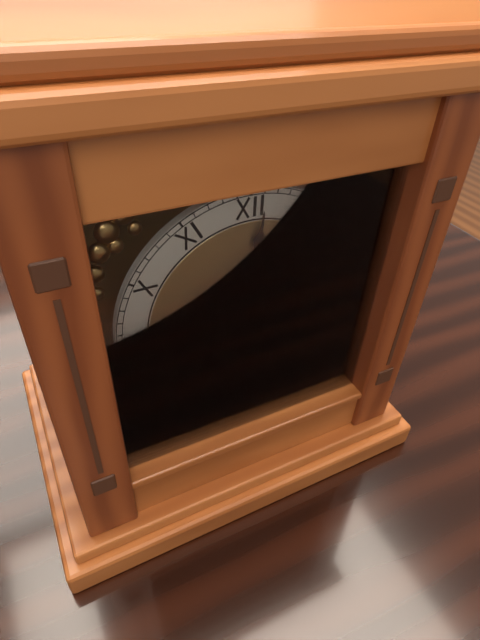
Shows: h=9 m=1
